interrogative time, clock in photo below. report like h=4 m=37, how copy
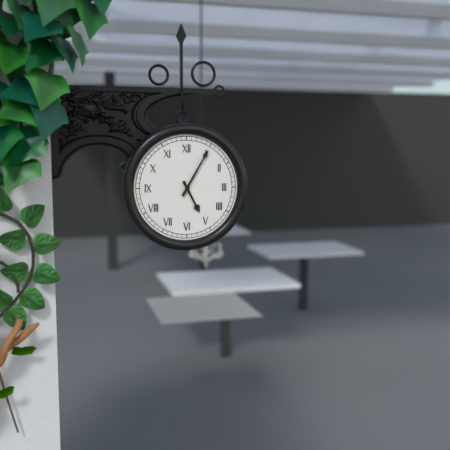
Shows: h=5 m=5
